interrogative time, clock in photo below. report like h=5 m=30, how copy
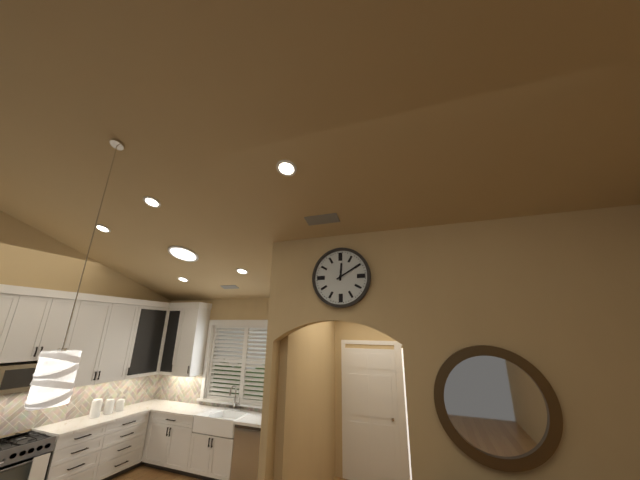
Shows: h=12 m=10
